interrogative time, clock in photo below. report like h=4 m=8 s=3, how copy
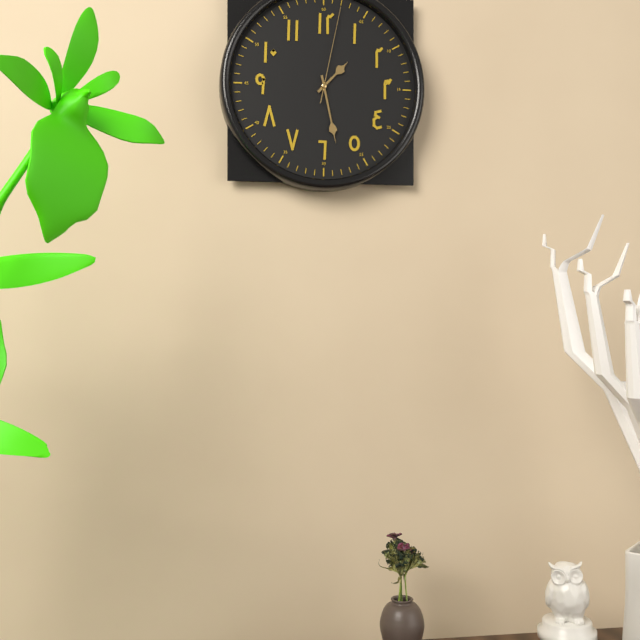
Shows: h=1 m=28 s=2
